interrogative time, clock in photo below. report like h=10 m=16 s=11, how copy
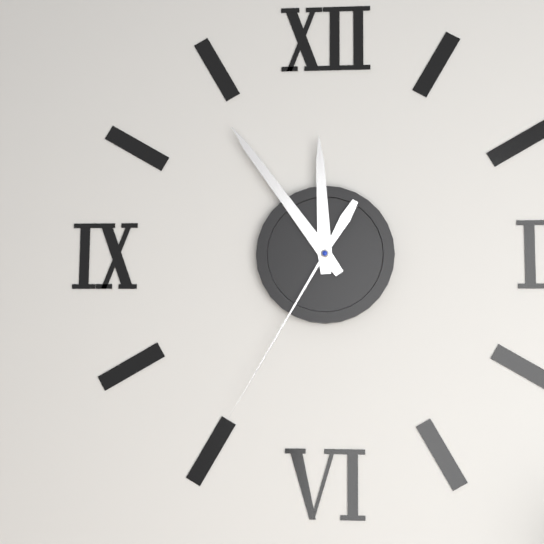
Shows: h=11 m=54 s=35
